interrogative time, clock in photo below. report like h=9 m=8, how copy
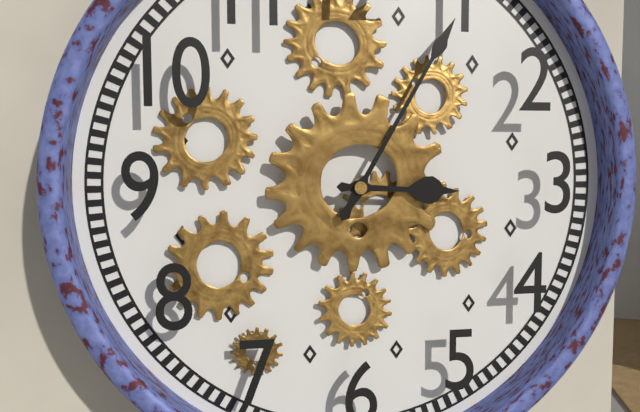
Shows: h=3 m=5
